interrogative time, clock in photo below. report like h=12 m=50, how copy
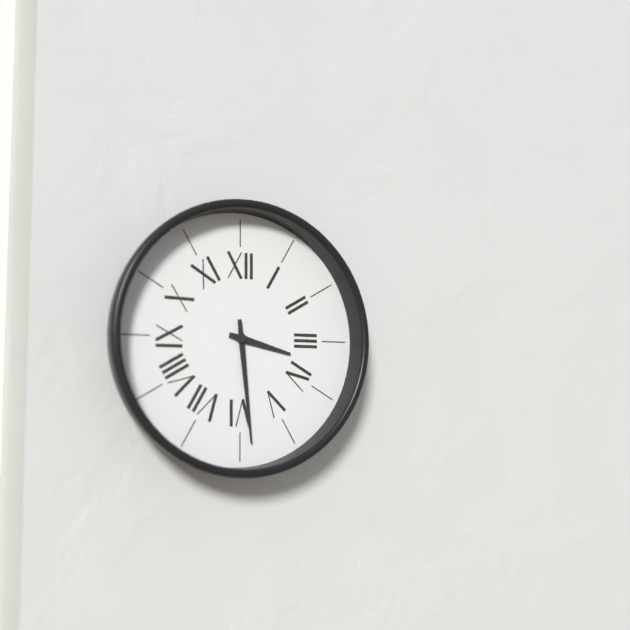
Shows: h=3 m=29
